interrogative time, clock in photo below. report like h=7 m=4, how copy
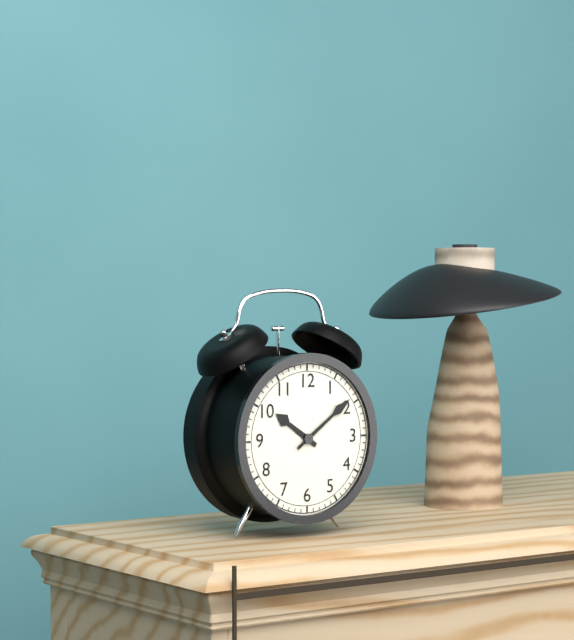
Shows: h=10 m=9
